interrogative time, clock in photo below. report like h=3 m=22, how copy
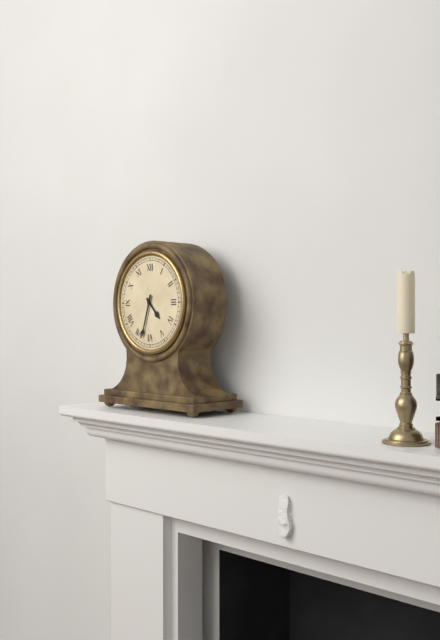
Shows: h=4 m=33
